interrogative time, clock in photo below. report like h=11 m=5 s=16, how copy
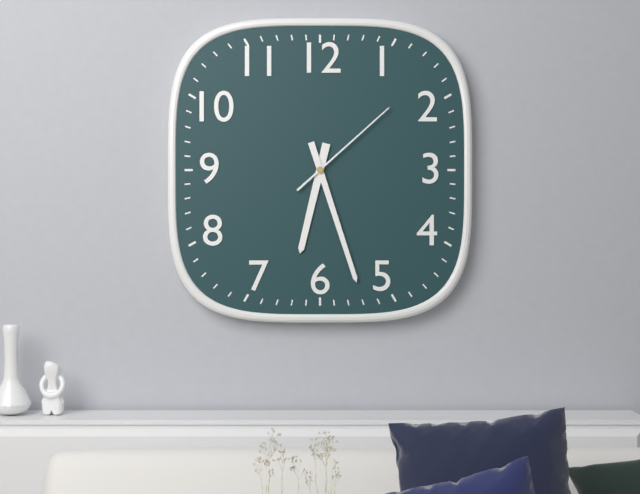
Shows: h=6 m=27 s=8
